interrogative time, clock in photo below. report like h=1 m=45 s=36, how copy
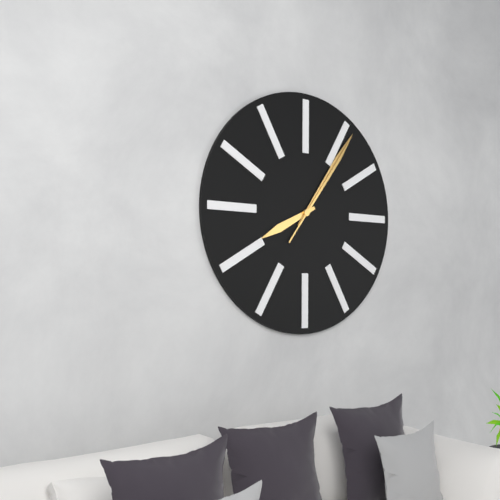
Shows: h=8 m=6 s=6
